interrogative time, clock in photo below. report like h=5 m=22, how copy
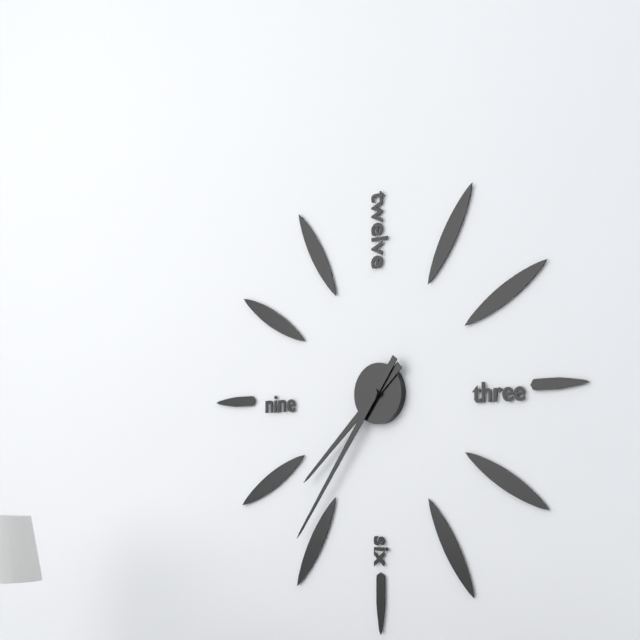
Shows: h=7 m=36
